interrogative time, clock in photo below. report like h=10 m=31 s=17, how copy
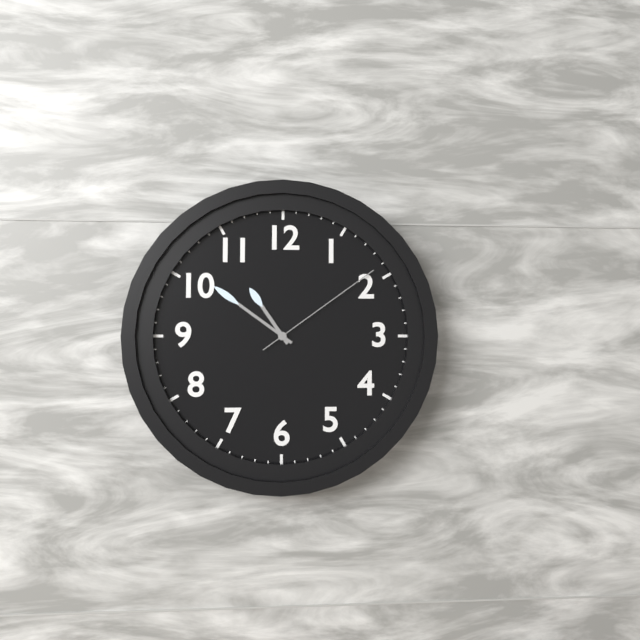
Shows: h=10 m=51 s=9
